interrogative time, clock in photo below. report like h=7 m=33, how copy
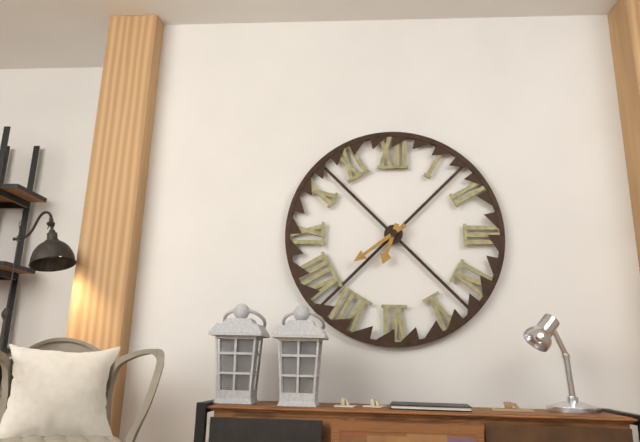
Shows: h=6 m=39
